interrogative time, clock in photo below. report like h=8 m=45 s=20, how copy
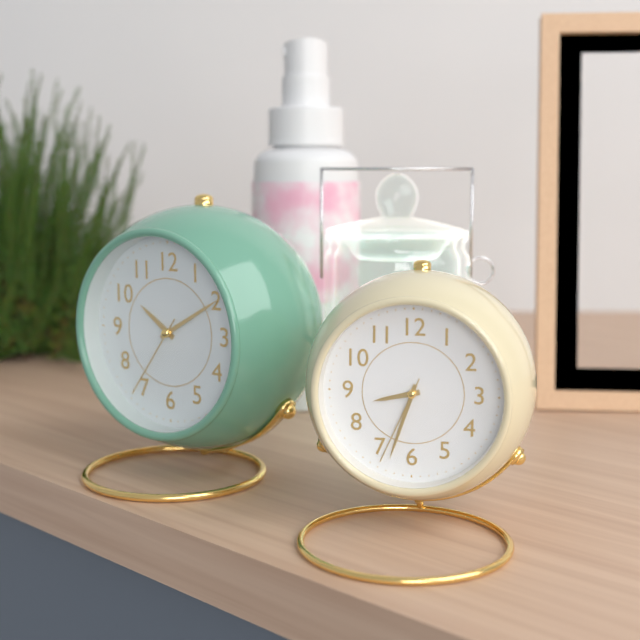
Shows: h=8 m=33 s=34
